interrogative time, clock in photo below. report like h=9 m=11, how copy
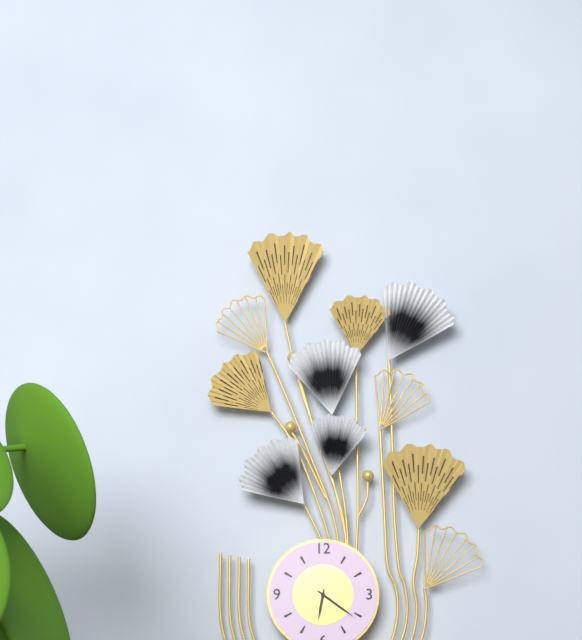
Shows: h=6 m=21
